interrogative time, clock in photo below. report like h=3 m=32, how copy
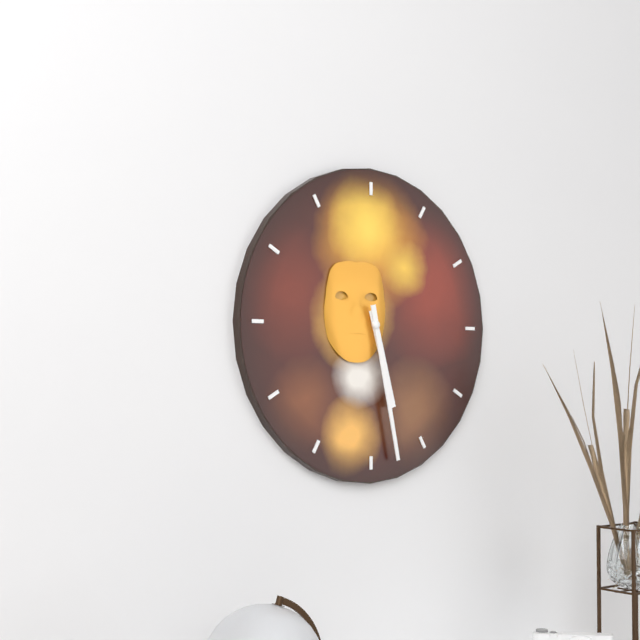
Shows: h=5 m=28
